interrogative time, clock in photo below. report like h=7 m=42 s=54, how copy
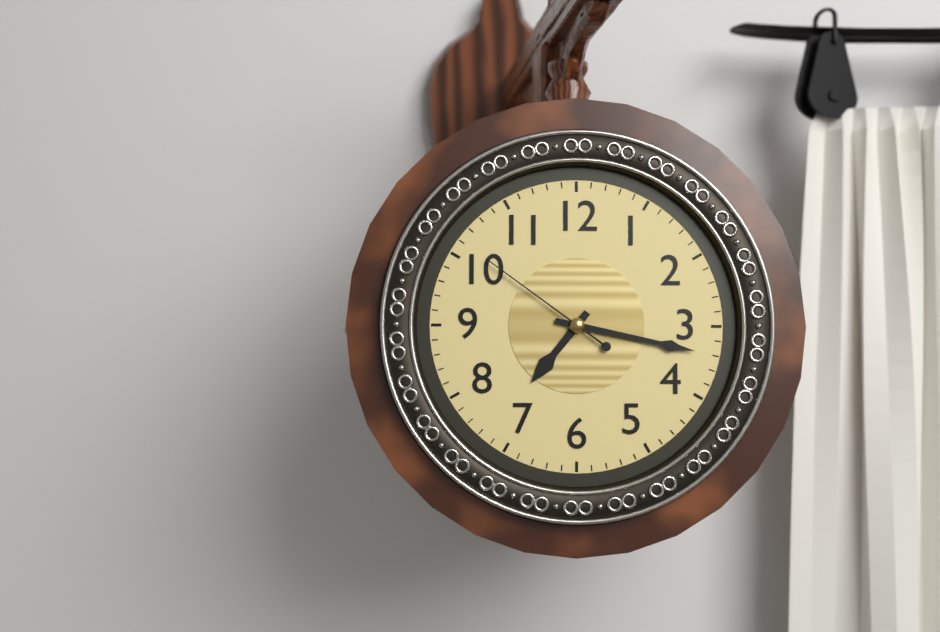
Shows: h=7 m=17 s=51
